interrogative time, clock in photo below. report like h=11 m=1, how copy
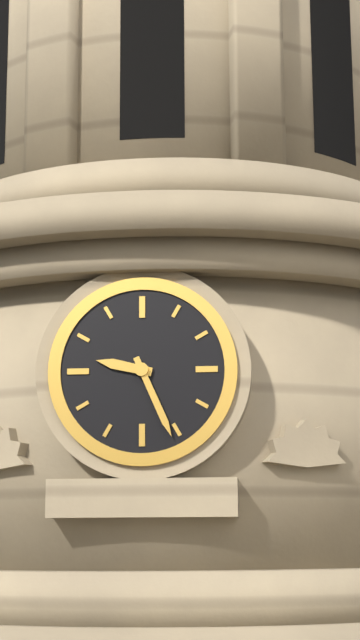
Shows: h=9 m=26
